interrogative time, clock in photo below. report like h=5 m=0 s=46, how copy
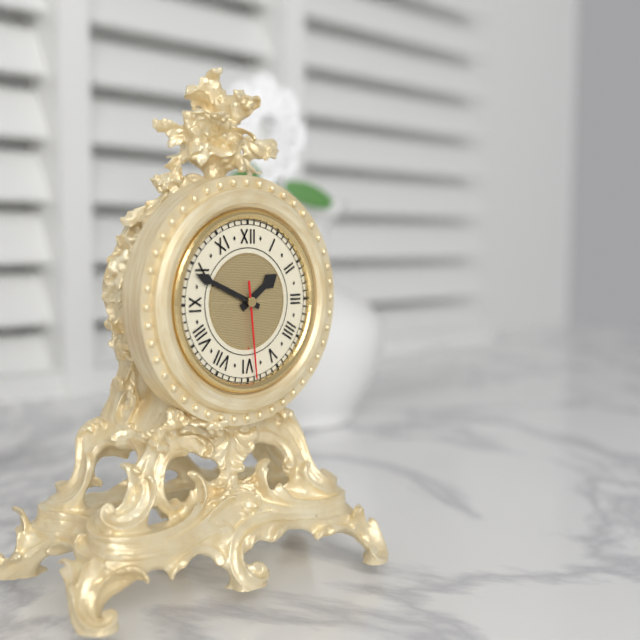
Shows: h=1 m=49 s=29
